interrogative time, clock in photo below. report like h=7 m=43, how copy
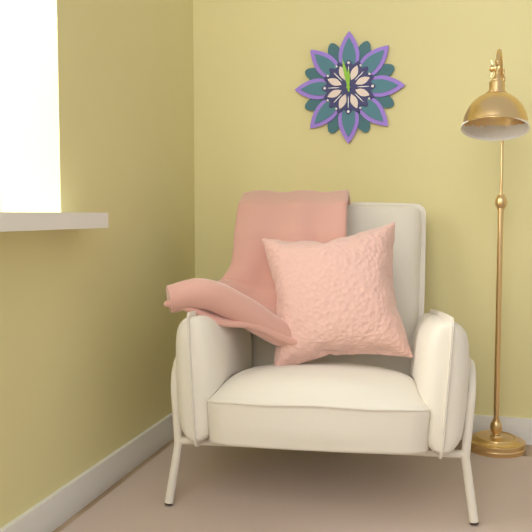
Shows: h=11 m=58
